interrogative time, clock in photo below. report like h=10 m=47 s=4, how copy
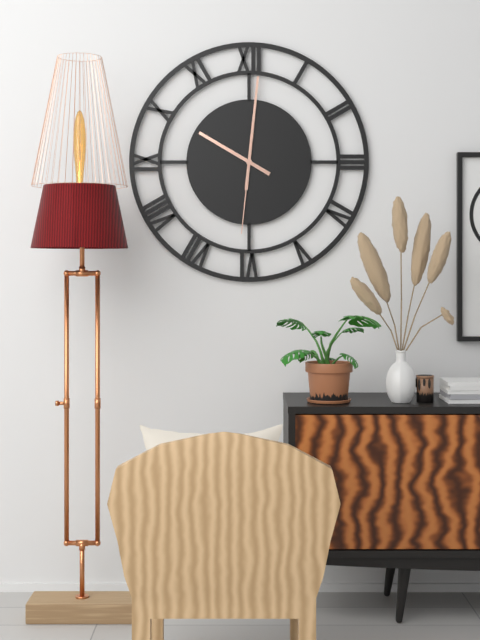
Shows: h=10 m=1 s=31
